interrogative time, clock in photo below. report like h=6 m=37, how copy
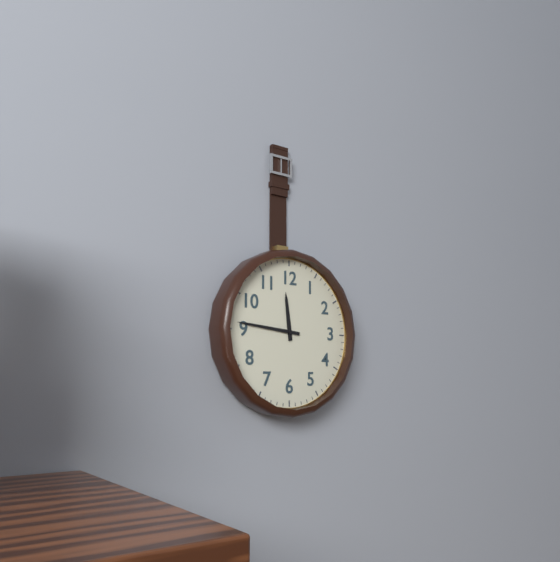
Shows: h=11 m=46
